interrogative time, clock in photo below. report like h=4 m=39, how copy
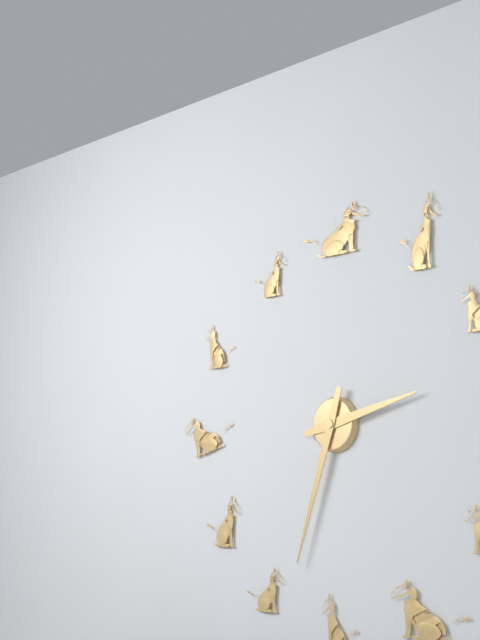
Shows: h=2 m=33
